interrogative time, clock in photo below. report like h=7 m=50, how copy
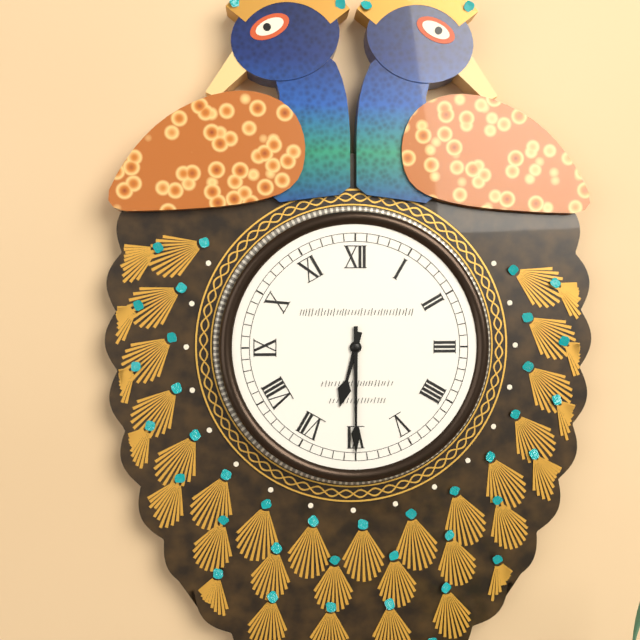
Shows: h=6 m=30
